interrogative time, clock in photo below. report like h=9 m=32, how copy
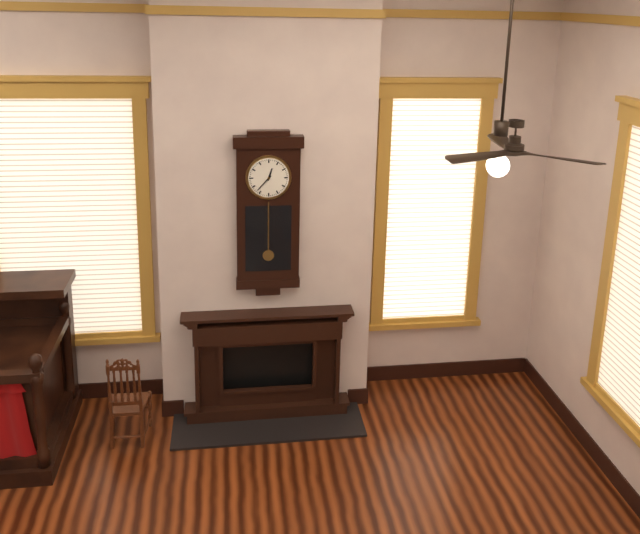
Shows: h=12 m=37
